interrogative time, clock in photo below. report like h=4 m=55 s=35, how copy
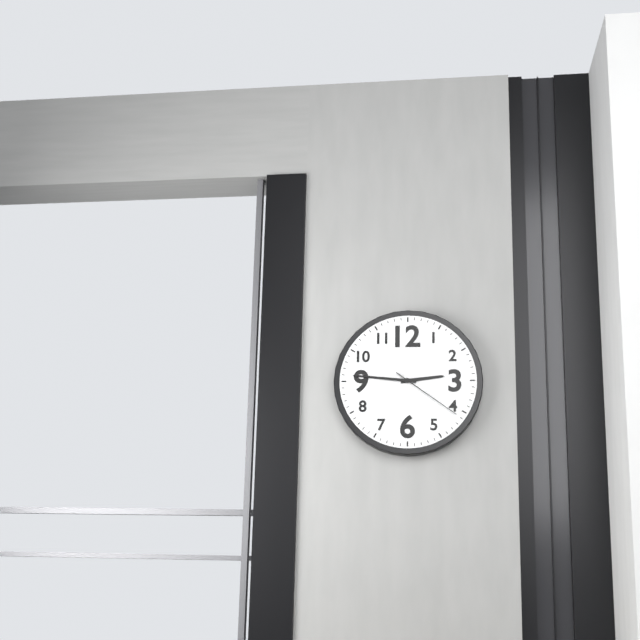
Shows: h=2 m=46 s=21
